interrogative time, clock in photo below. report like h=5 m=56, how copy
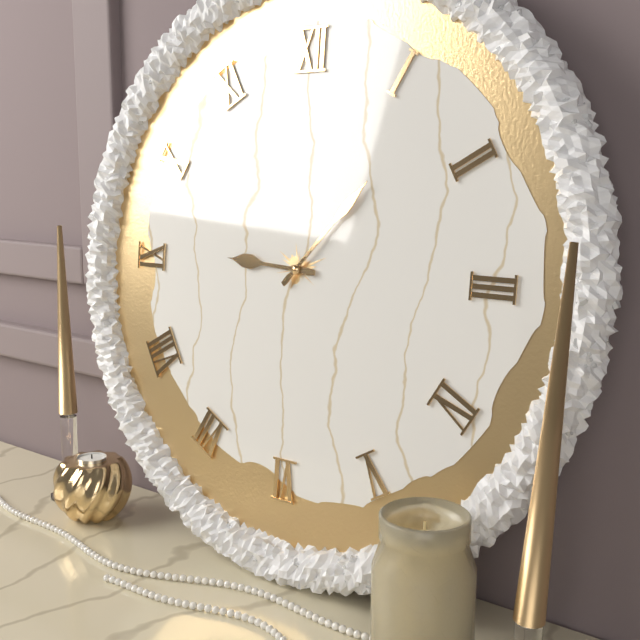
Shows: h=9 m=7
